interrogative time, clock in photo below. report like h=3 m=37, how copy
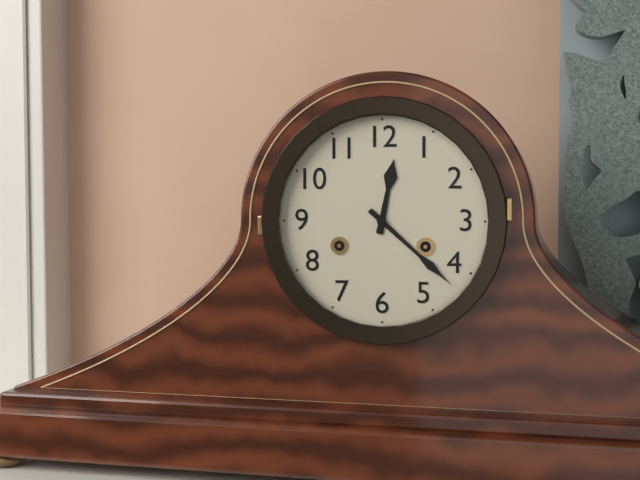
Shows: h=12 m=22
